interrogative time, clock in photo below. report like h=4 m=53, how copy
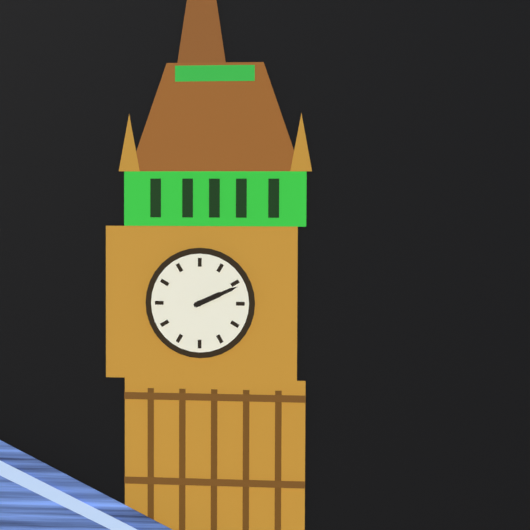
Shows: h=2 m=11
